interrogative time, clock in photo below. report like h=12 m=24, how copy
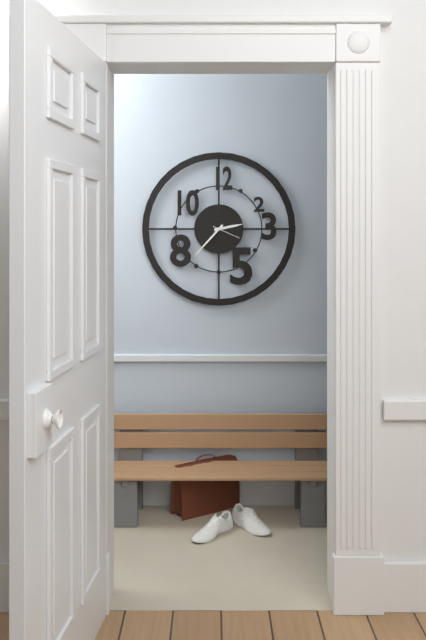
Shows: h=2 m=37
